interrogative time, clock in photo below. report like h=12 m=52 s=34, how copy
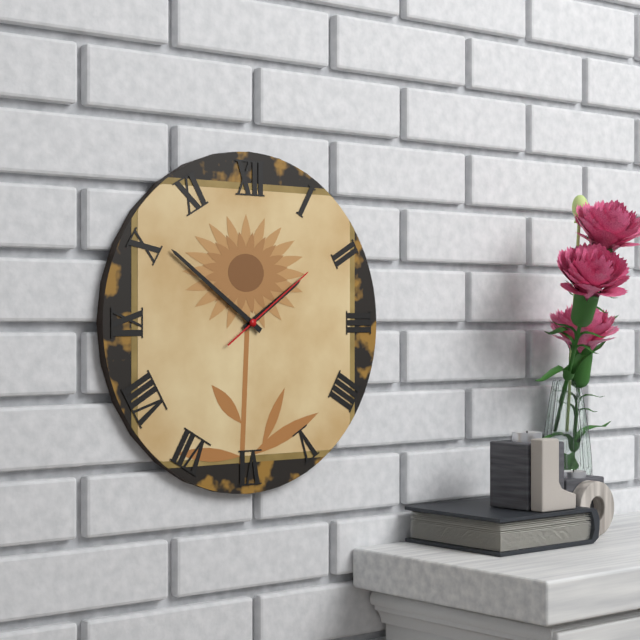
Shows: h=1 m=51 s=9
